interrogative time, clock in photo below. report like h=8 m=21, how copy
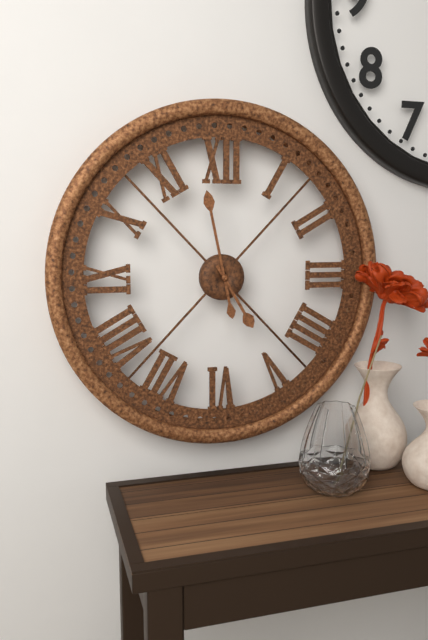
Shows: h=4 m=58
